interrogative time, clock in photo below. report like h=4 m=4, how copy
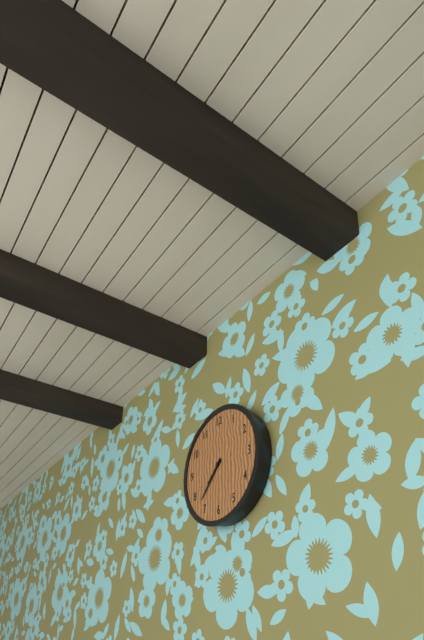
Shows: h=7 m=37
